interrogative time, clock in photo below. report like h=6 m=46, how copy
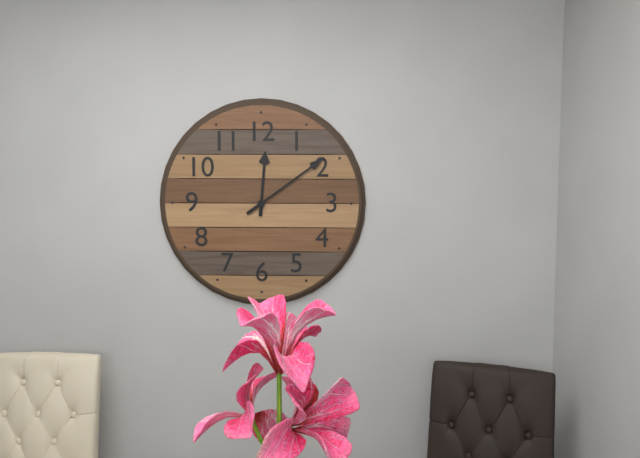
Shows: h=12 m=9
